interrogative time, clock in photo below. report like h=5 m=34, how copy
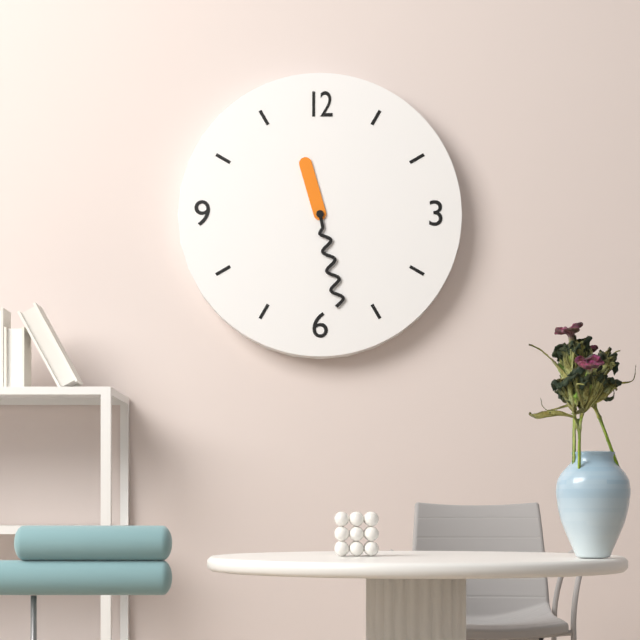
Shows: h=11 m=28
